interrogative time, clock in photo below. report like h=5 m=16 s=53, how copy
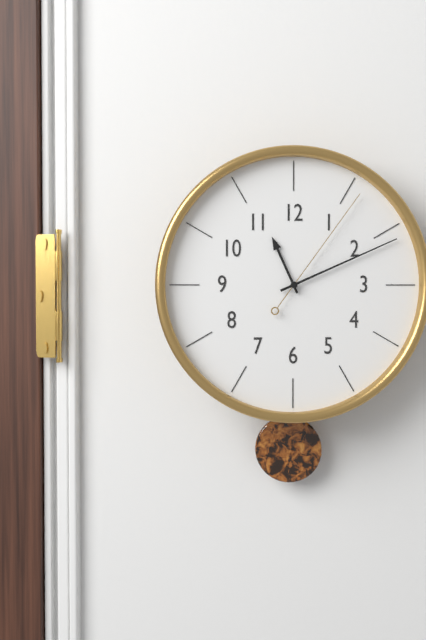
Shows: h=11 m=11 s=6
